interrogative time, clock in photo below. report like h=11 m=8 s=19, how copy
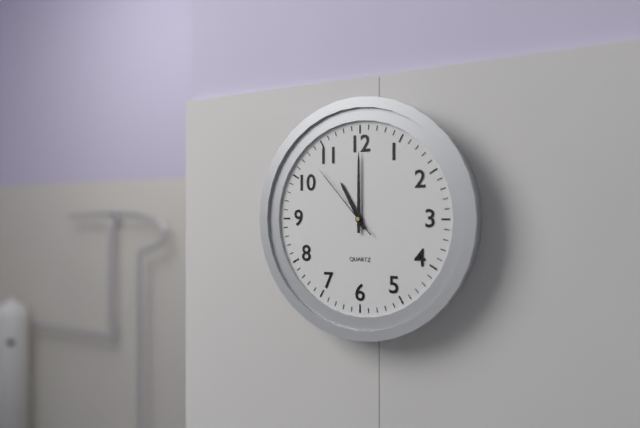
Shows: h=11 m=0 s=53
